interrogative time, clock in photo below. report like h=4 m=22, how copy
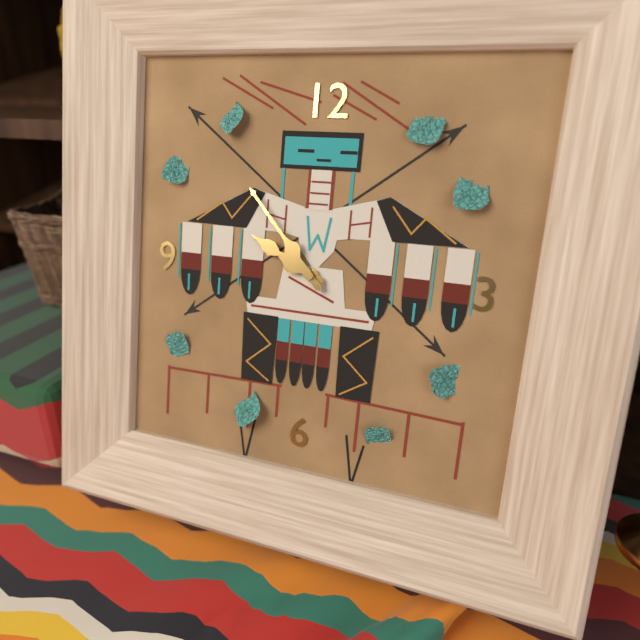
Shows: h=9 m=53
